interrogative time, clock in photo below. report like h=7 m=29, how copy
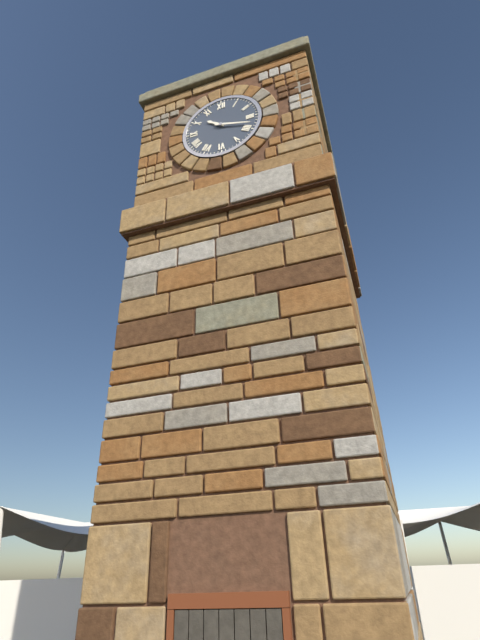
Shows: h=10 m=18
